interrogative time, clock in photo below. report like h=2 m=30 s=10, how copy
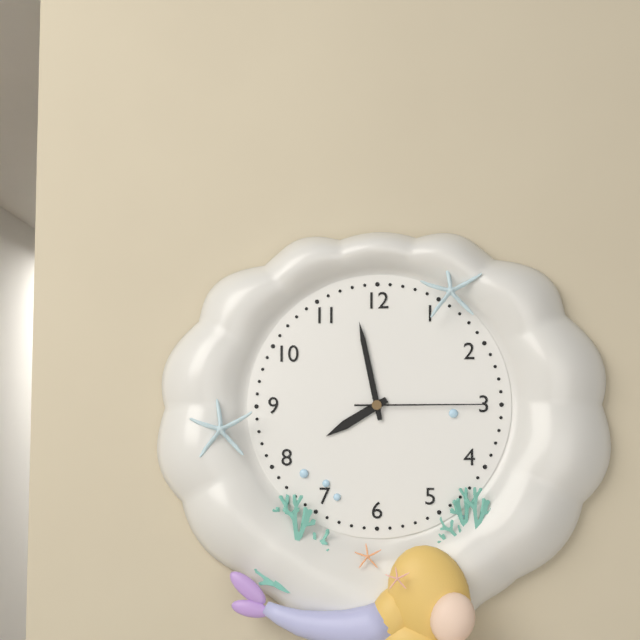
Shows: h=7 m=58 s=15
